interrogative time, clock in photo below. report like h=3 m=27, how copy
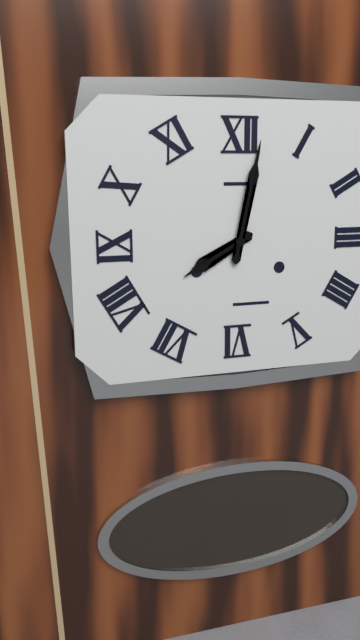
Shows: h=8 m=2
